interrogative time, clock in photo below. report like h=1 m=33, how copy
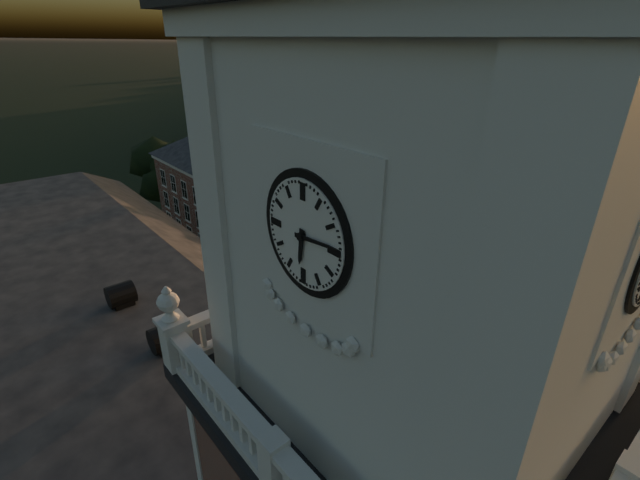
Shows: h=6 m=14
